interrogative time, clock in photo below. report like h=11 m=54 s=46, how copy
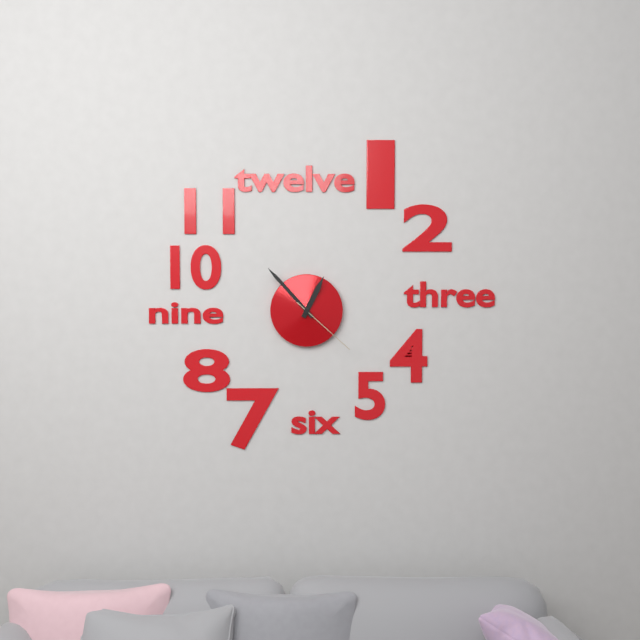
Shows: h=12 m=53 s=22
